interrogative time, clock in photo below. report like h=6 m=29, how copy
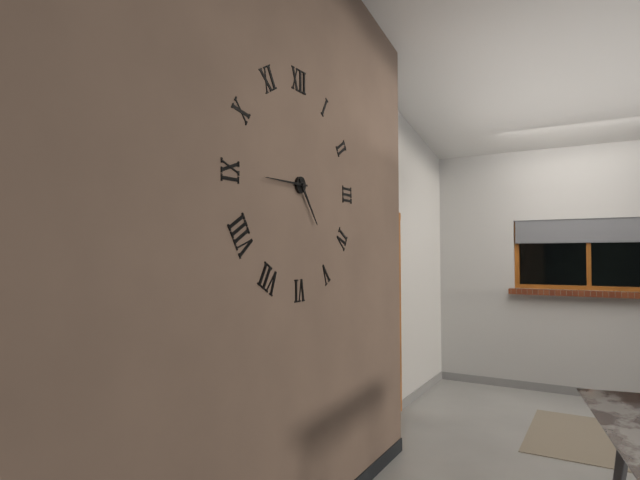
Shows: h=4 m=45
